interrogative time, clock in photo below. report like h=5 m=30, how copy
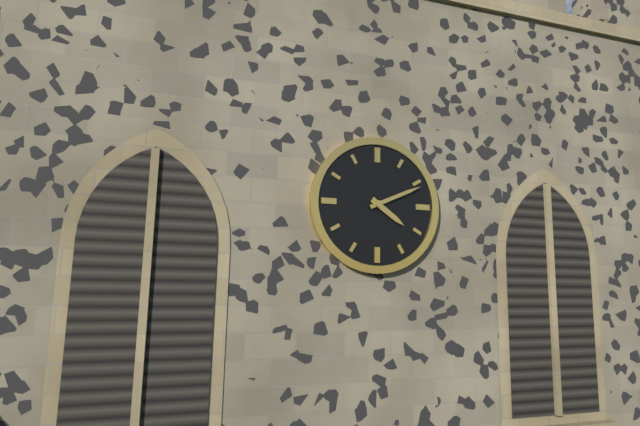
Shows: h=4 m=11
